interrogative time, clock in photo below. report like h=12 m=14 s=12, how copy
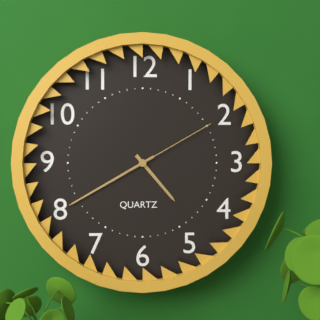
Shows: h=4 m=40 s=10
